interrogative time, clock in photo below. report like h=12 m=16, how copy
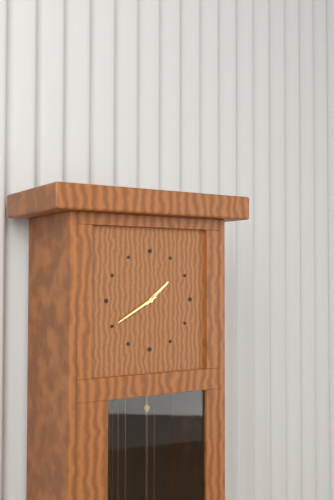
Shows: h=1 m=40
